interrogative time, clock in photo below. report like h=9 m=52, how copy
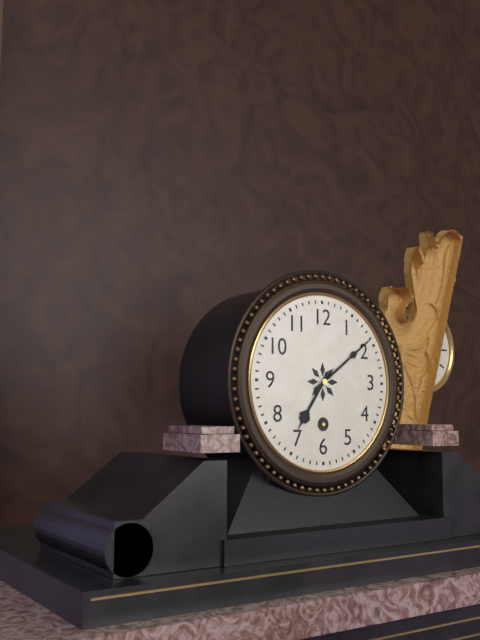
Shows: h=7 m=9
